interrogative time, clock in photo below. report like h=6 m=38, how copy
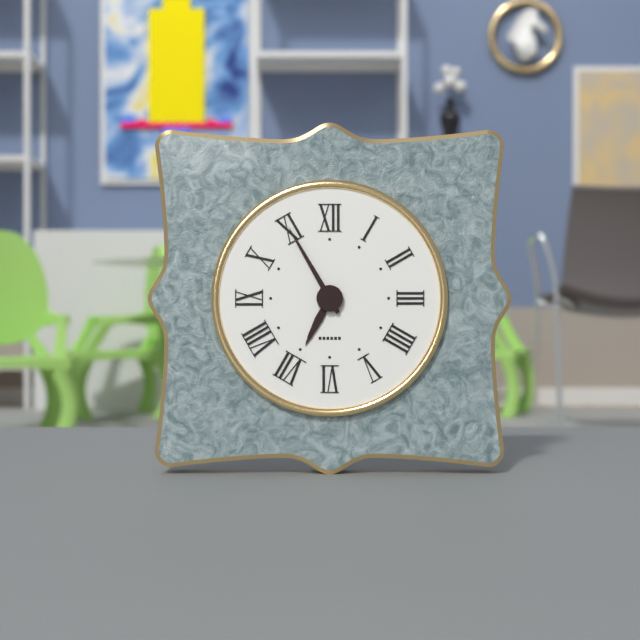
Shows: h=6 m=55
